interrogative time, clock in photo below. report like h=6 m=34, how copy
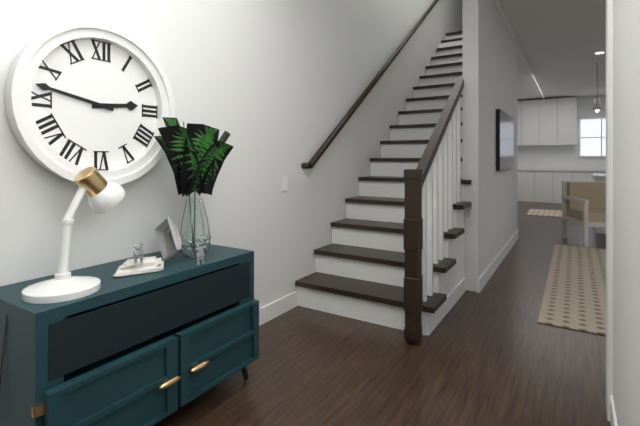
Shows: h=2 m=47
